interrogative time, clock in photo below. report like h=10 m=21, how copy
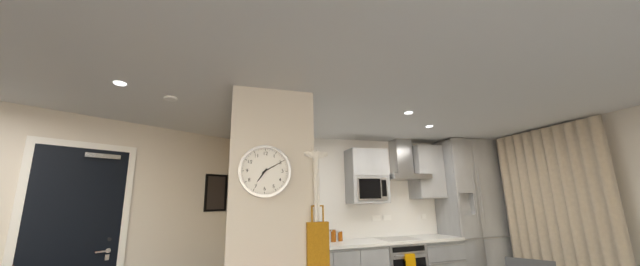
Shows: h=7 m=10
